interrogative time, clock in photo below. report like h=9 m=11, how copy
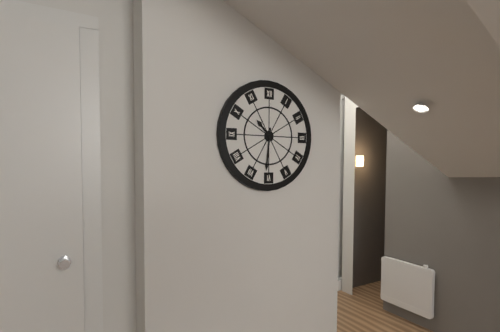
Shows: h=10 m=31
